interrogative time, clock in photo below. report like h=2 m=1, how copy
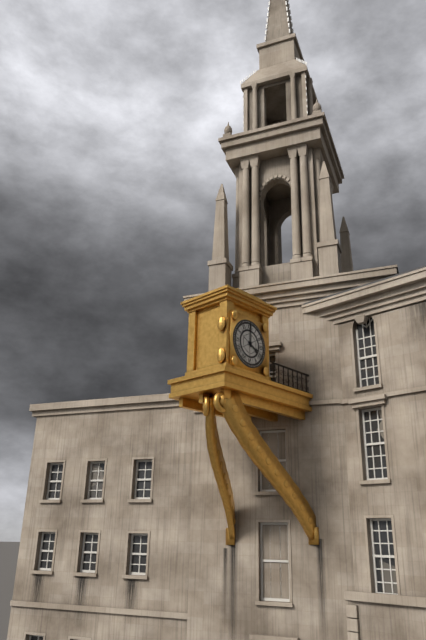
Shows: h=4 m=0
